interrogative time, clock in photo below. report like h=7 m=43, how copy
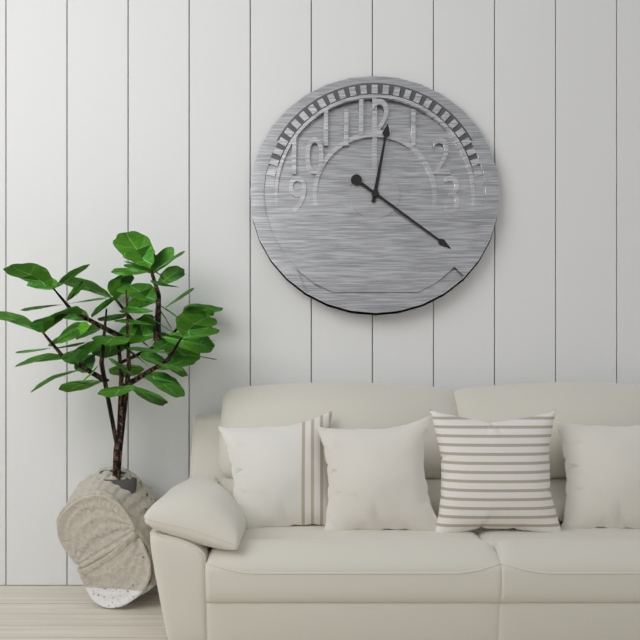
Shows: h=12 m=21
